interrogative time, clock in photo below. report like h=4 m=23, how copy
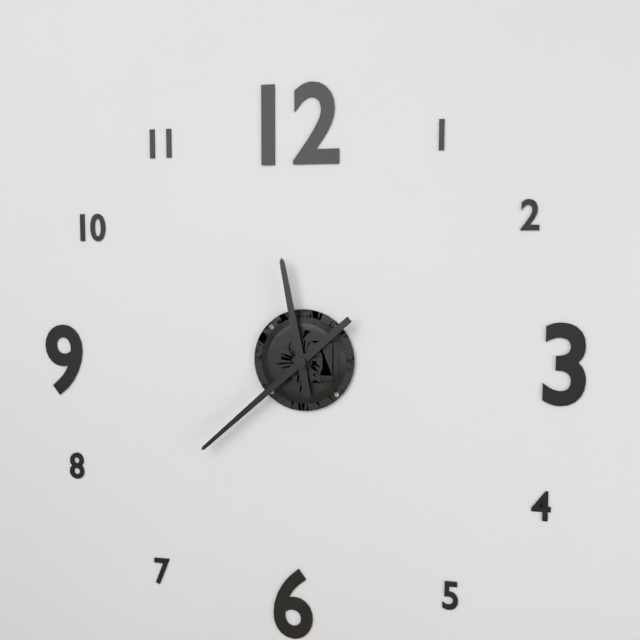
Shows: h=11 m=38
